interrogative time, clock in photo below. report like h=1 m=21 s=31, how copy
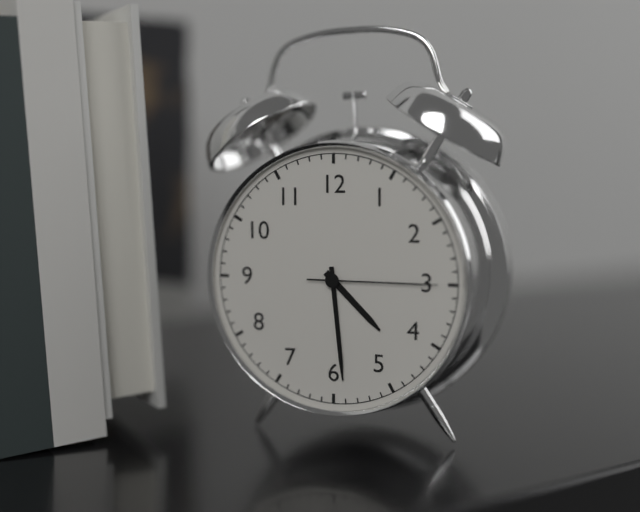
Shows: h=4 m=29 s=15
